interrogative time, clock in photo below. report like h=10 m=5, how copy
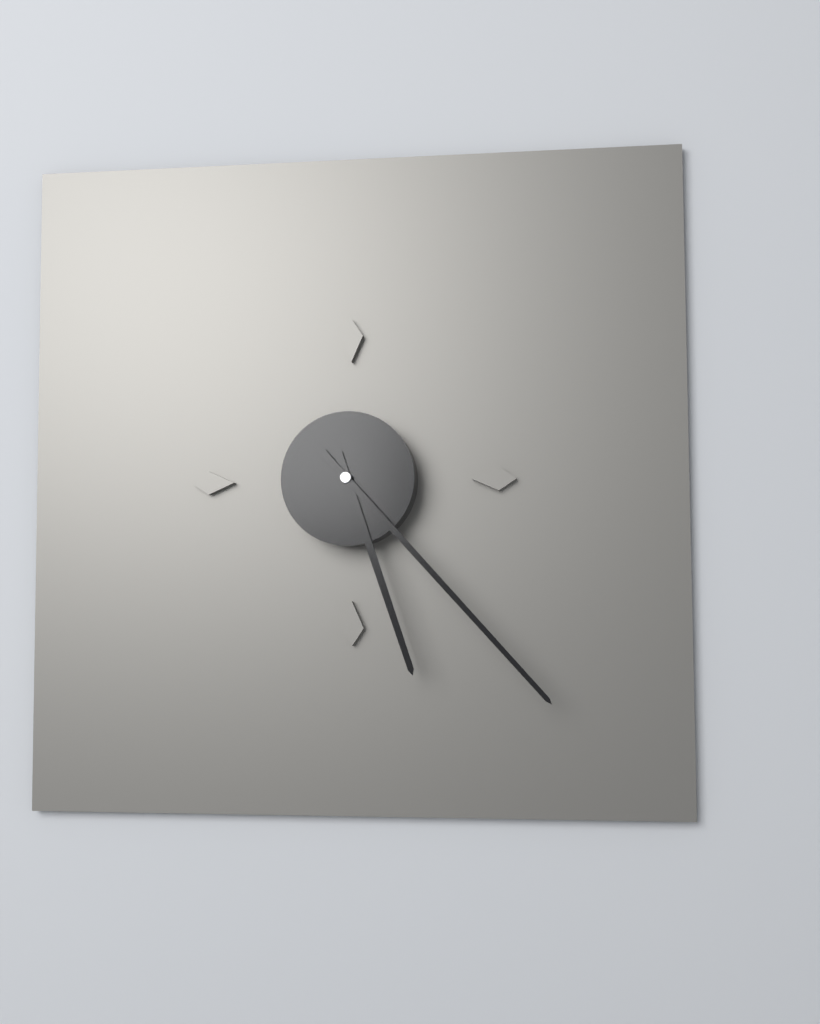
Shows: h=5 m=23
